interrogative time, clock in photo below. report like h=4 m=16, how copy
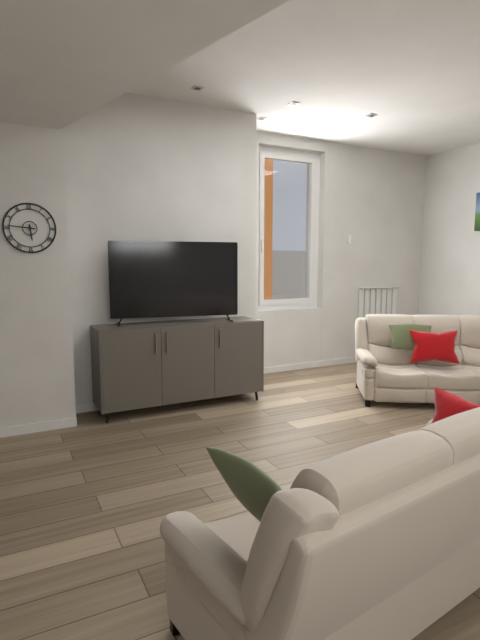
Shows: h=5 m=46
